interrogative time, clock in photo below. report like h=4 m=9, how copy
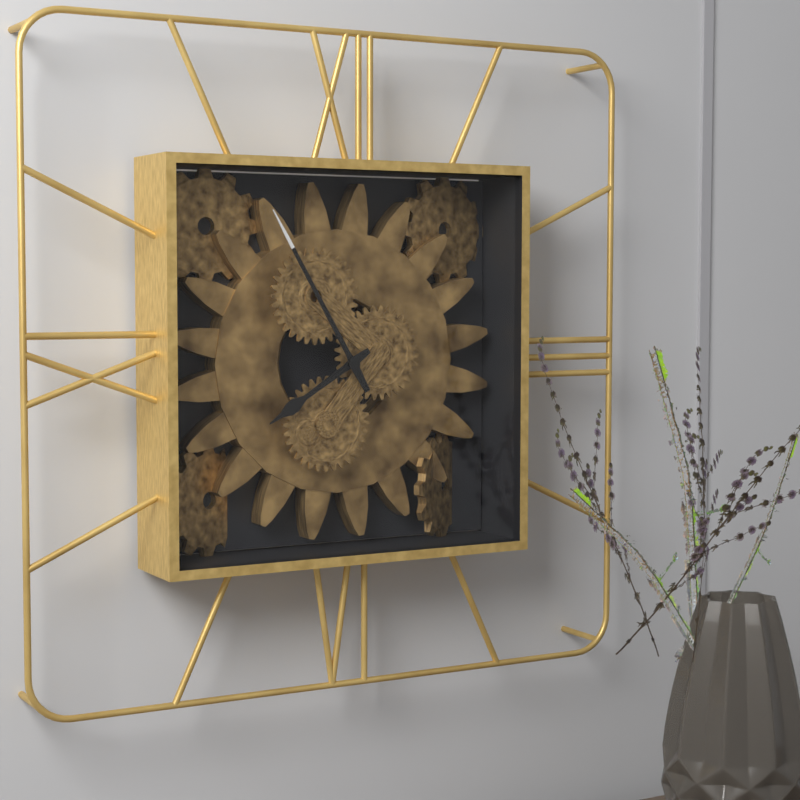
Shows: h=7 m=55
